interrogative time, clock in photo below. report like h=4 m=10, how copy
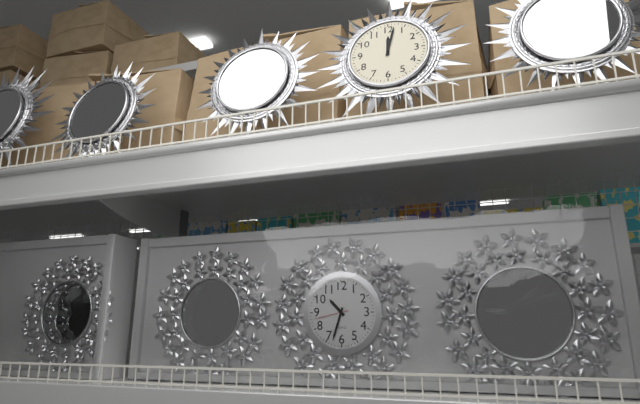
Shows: h=10 m=33
